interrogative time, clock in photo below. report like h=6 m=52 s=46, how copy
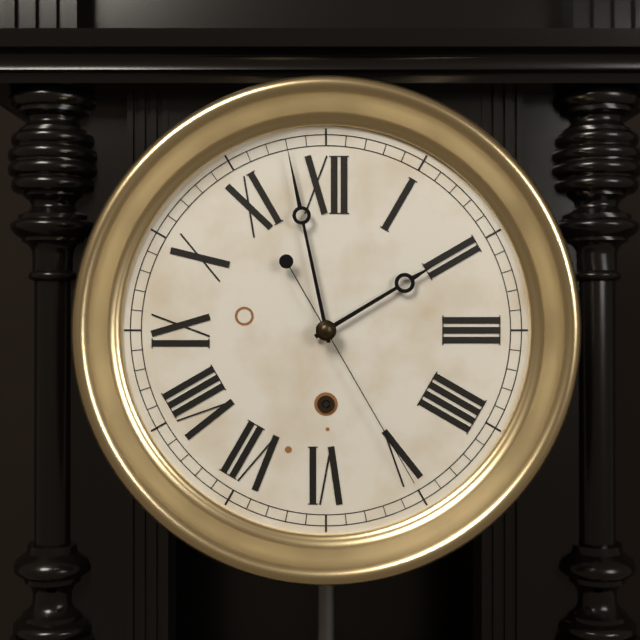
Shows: h=1 m=58 s=25
